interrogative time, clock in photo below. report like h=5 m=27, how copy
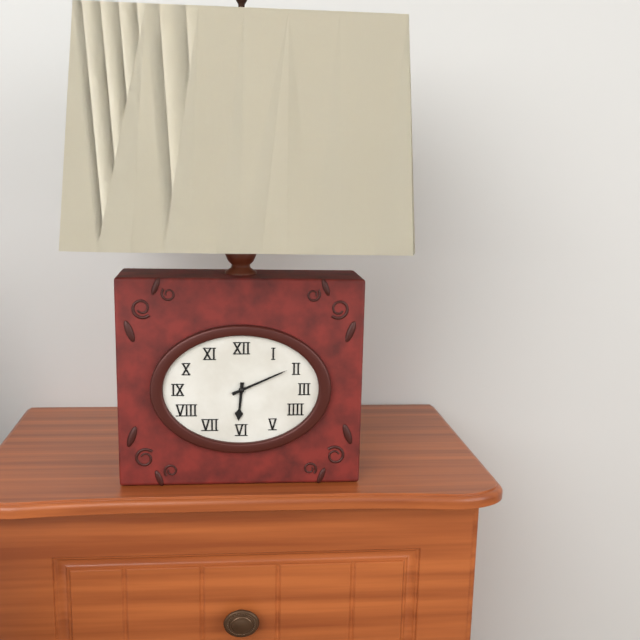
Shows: h=6 m=11
